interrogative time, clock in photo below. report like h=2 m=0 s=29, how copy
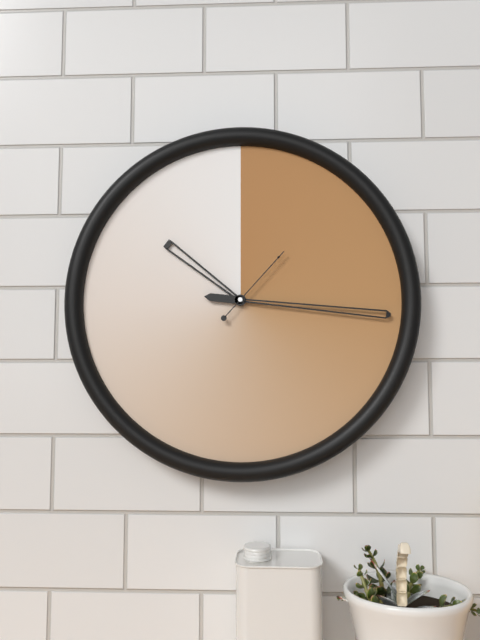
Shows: h=10 m=16 s=7
